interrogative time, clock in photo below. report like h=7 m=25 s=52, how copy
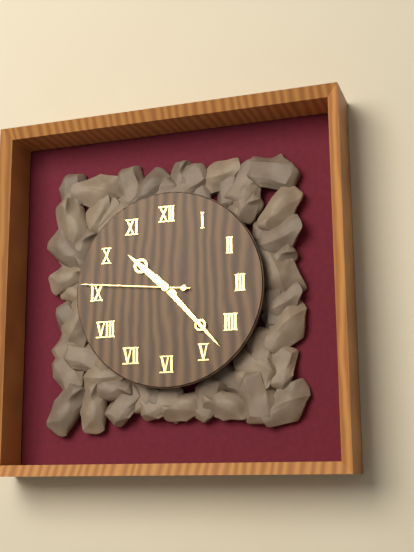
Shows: h=10 m=23 s=46
